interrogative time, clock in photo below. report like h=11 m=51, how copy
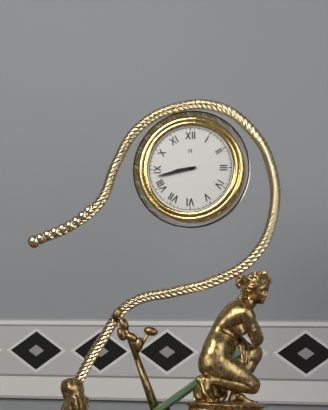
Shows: h=8 m=43
